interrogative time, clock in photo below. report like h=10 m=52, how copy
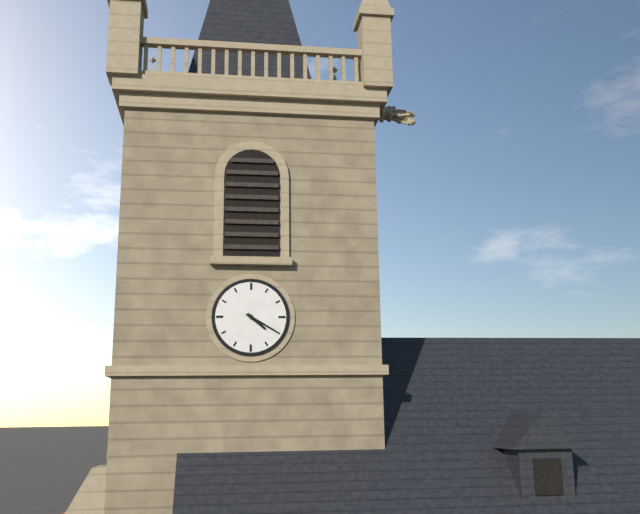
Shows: h=4 m=20
